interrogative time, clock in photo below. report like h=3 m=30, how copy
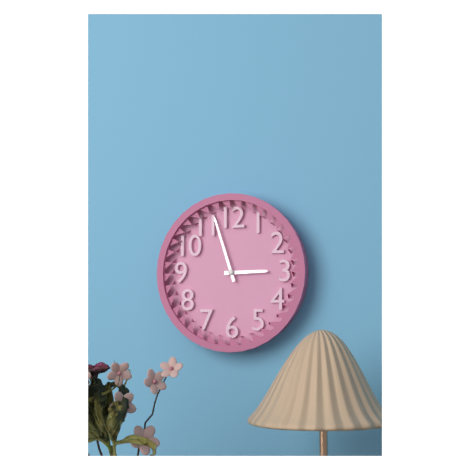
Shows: h=2 m=57
